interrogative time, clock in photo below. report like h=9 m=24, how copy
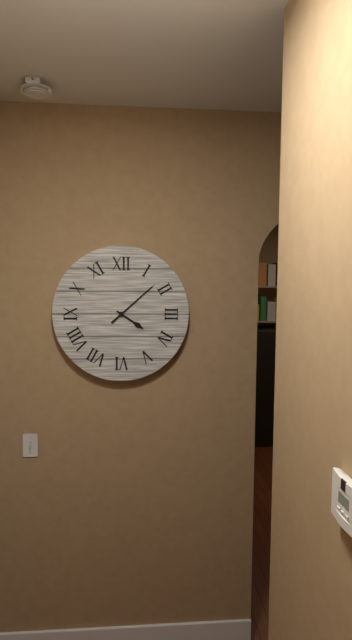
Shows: h=4 m=8
